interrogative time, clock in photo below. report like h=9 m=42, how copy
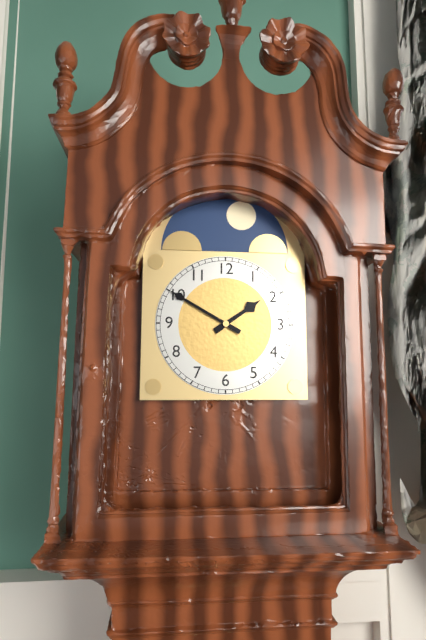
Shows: h=1 m=50
